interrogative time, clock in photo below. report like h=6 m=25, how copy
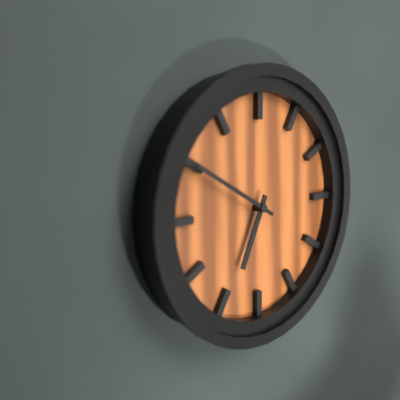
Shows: h=6 m=50
